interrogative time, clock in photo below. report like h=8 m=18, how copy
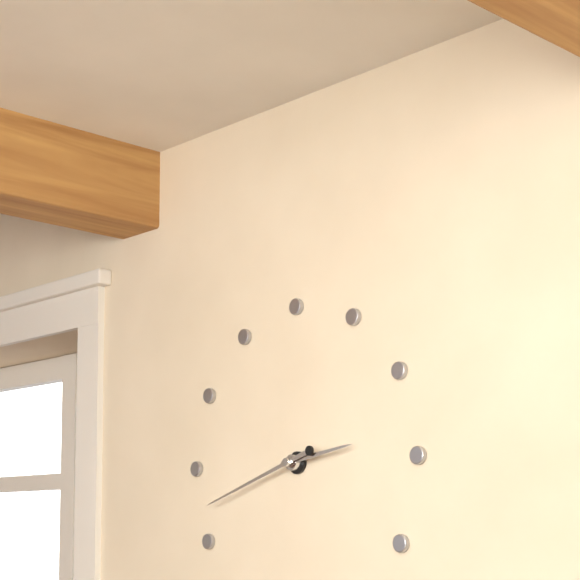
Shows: h=2 m=42
